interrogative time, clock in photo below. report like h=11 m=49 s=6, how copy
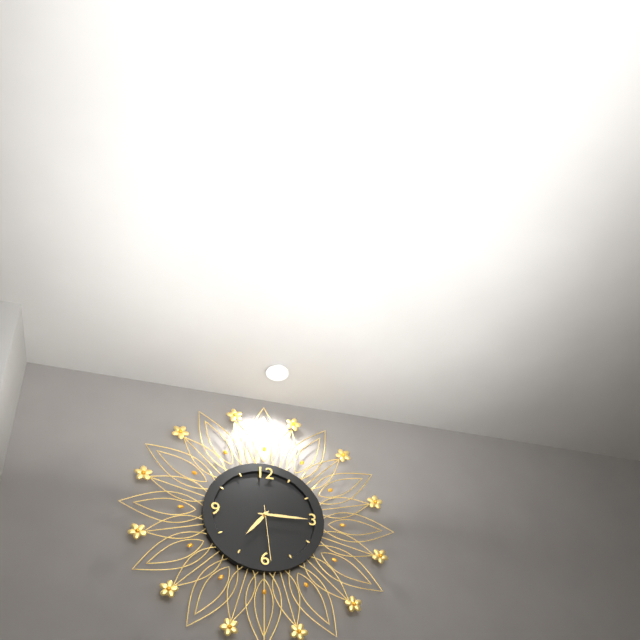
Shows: h=7 m=15 s=29
